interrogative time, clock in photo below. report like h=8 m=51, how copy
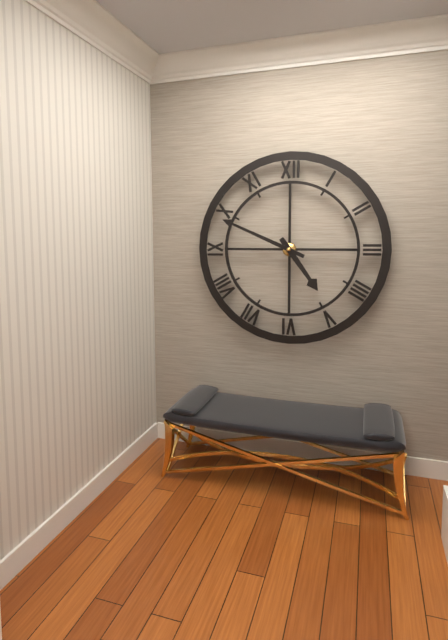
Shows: h=4 m=49
